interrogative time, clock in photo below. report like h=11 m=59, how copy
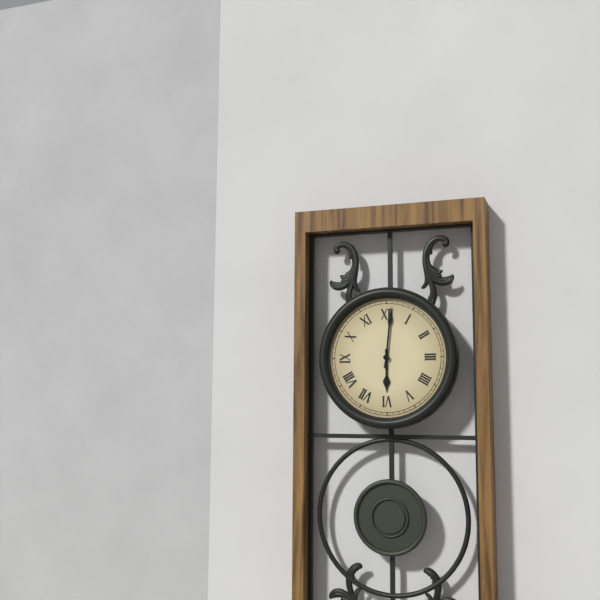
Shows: h=6 m=1
